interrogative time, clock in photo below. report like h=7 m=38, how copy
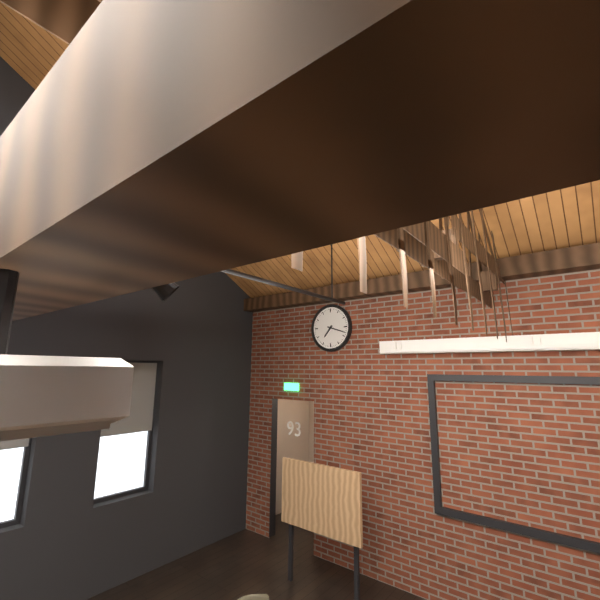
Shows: h=7 m=18
